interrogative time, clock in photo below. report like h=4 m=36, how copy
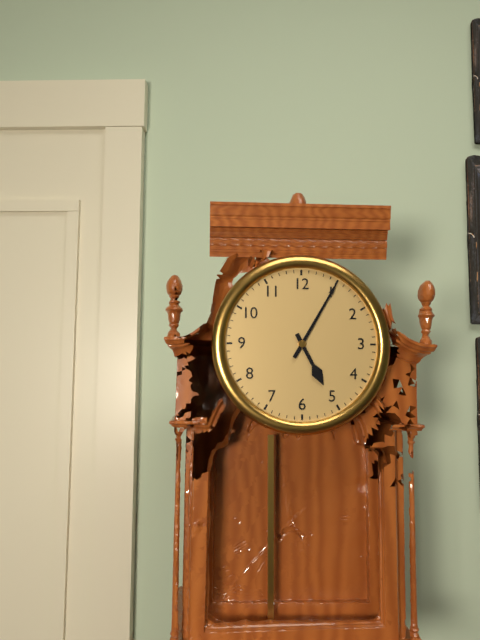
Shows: h=5 m=5
